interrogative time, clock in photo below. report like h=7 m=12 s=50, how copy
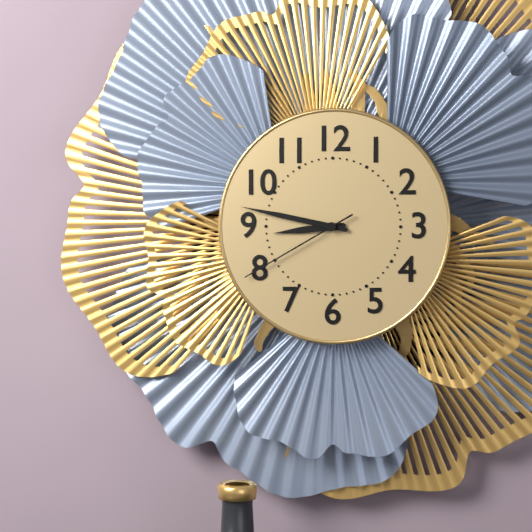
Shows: h=8 m=47 s=40
